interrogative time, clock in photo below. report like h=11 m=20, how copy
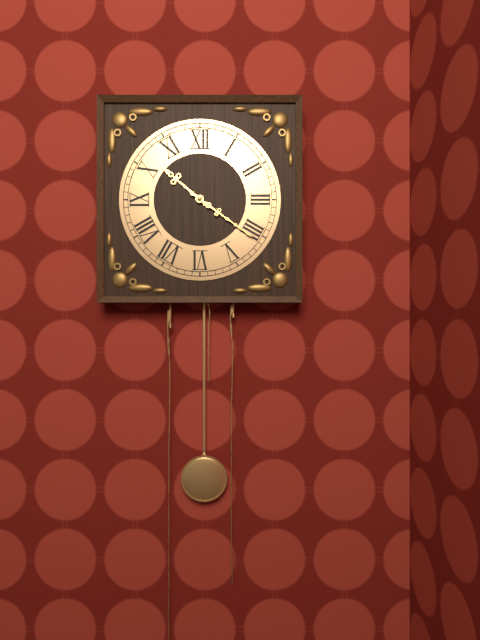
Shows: h=10 m=21
